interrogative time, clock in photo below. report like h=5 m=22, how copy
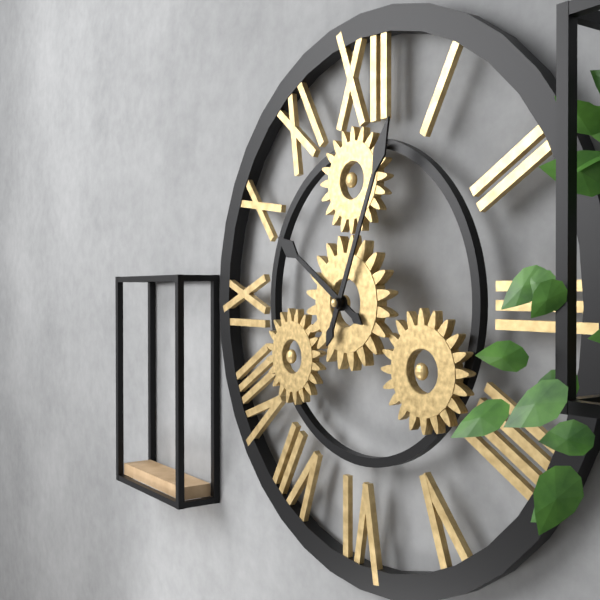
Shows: h=10 m=4
